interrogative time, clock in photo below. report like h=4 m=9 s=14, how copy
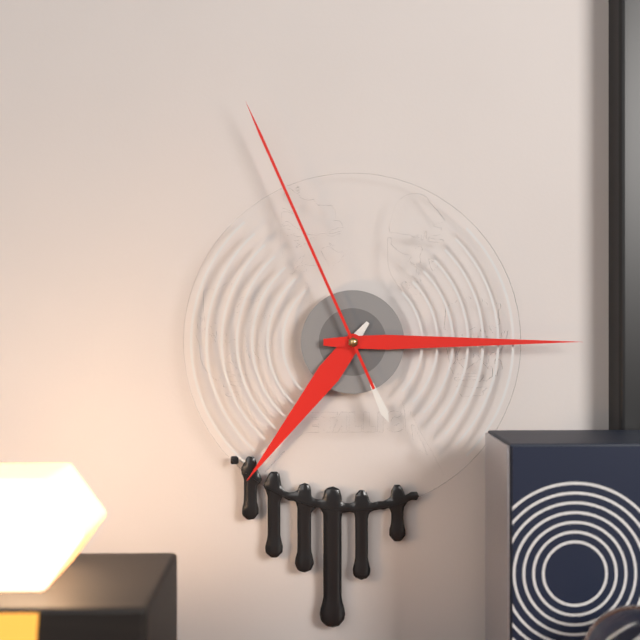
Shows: h=7 m=15 s=56
